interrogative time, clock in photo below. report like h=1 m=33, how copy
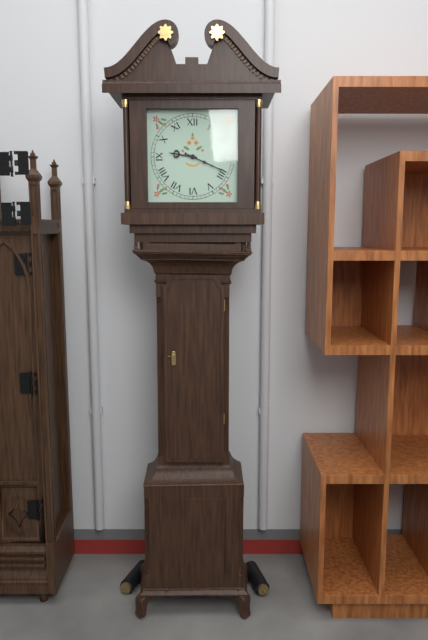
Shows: h=9 m=19
